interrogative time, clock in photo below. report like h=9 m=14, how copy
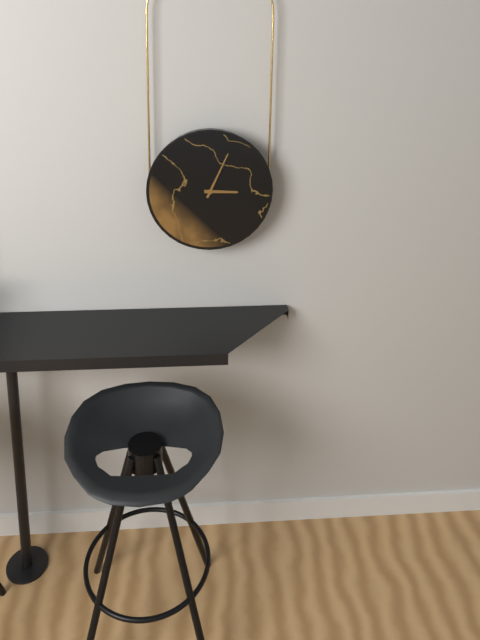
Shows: h=3 m=4
